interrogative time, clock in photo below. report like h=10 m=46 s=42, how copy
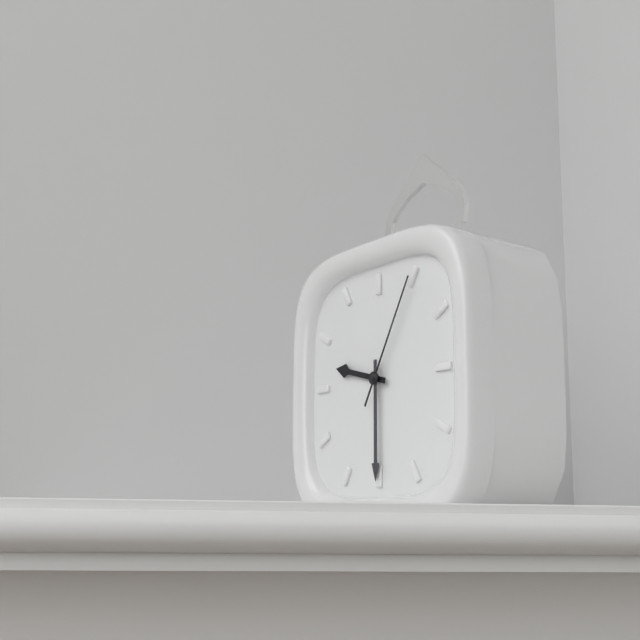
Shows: h=9 m=30 s=5
